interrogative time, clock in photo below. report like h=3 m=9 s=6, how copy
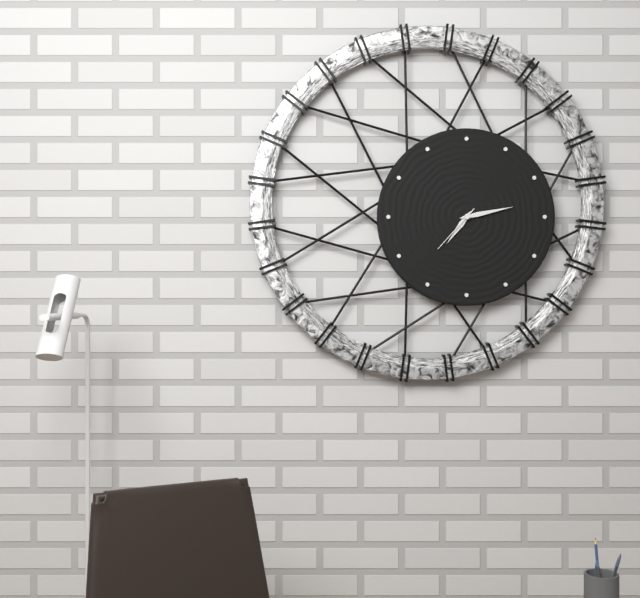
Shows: h=7 m=13 s=37
